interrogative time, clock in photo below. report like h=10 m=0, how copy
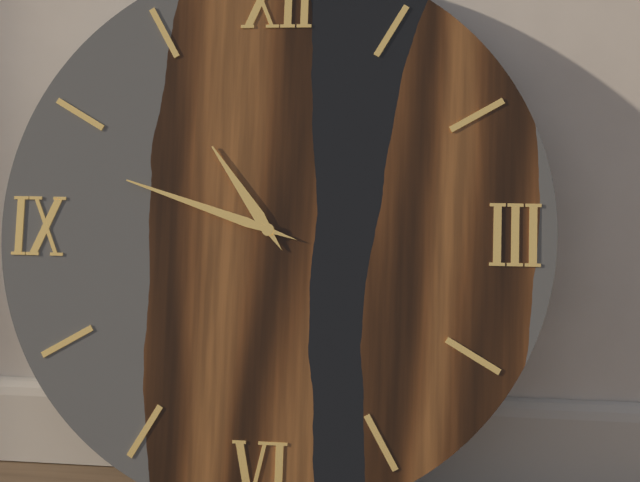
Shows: h=10 m=48
